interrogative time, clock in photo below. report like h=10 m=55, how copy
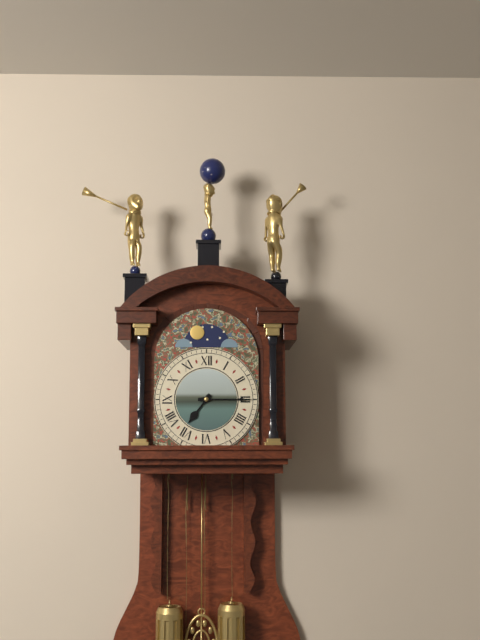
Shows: h=7 m=15
